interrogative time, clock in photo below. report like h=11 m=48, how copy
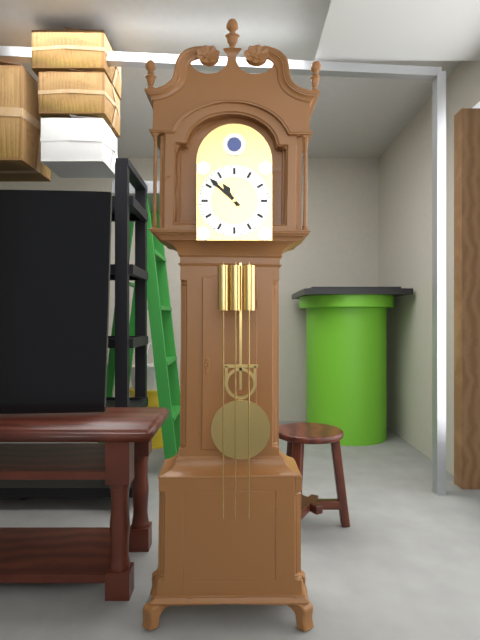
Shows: h=10 m=52
